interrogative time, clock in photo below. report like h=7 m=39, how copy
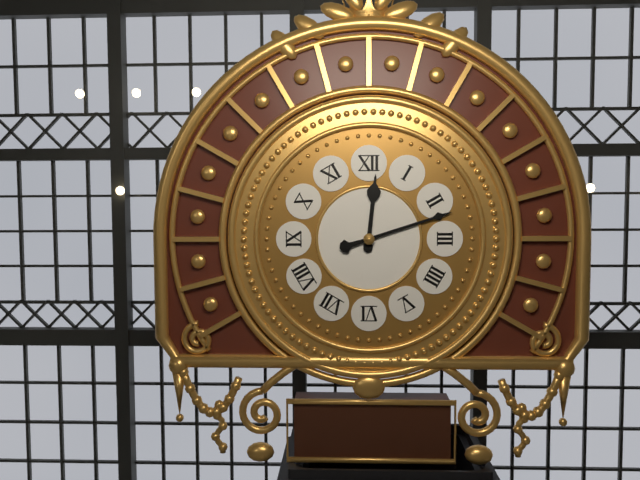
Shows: h=12 m=12
